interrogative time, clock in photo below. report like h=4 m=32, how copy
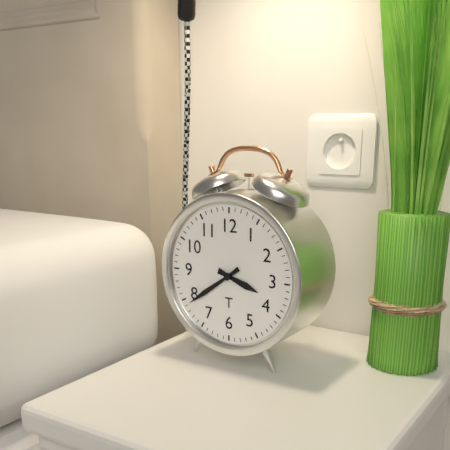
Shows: h=3 m=39
